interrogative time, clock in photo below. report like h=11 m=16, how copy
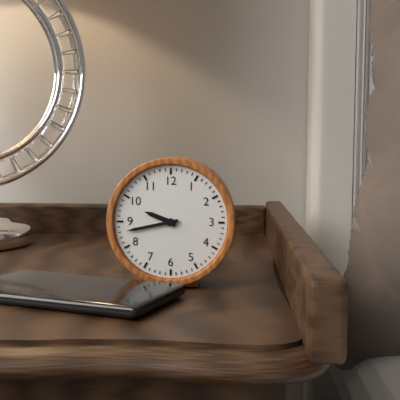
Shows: h=9 m=43
